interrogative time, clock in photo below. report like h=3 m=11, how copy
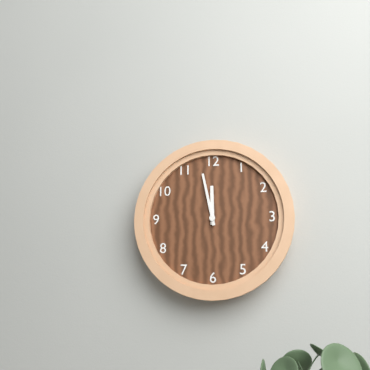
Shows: h=11 m=58
